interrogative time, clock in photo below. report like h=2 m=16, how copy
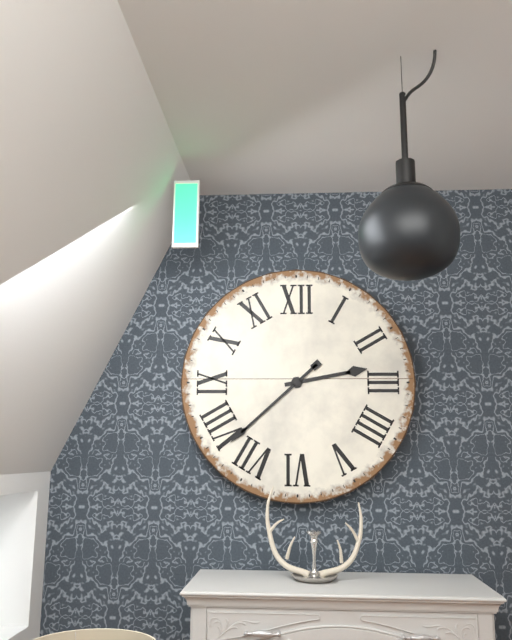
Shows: h=2 m=38
